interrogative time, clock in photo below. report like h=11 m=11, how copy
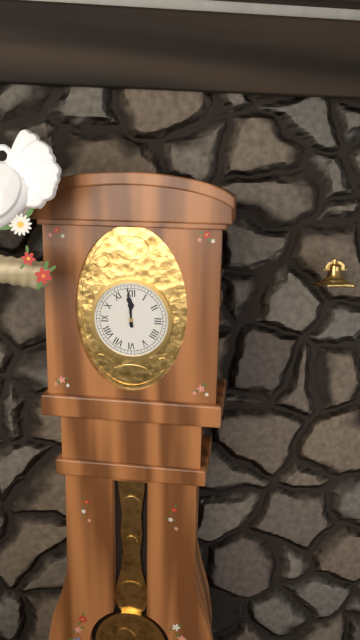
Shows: h=11 m=59
